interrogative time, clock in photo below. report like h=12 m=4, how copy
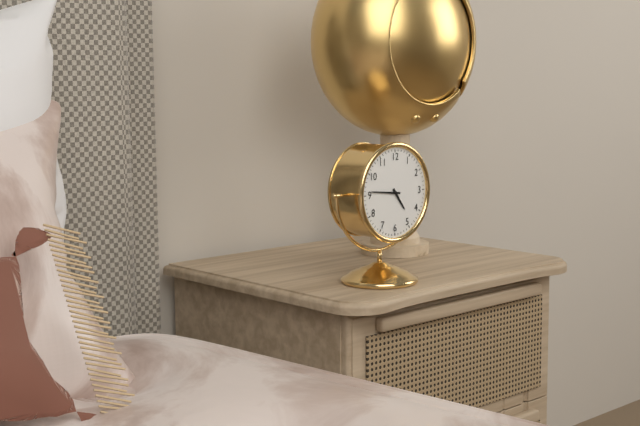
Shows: h=4 m=46
